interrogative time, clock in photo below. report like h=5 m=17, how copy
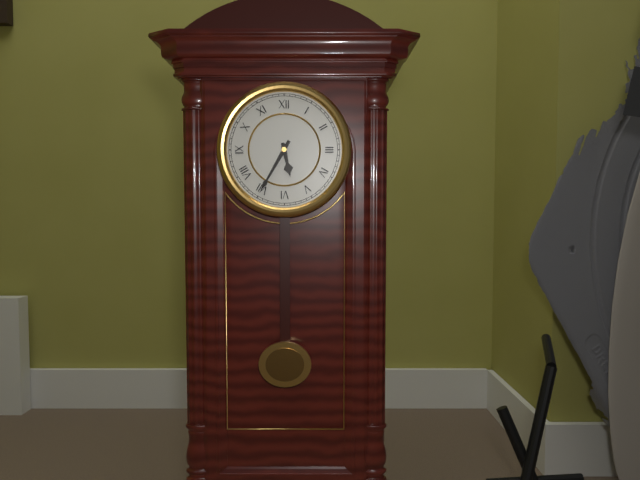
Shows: h=5 m=35
